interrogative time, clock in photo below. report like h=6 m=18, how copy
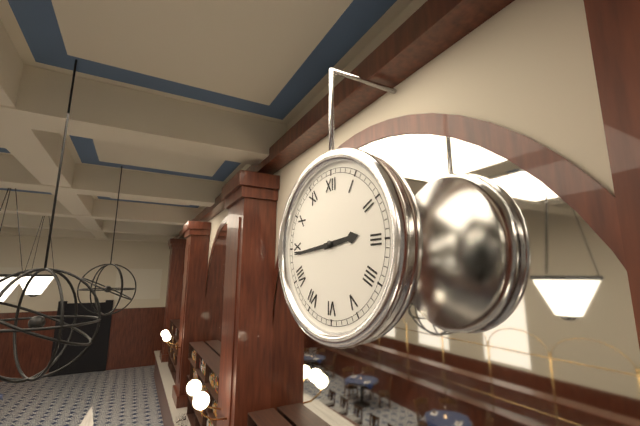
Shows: h=2 m=44
